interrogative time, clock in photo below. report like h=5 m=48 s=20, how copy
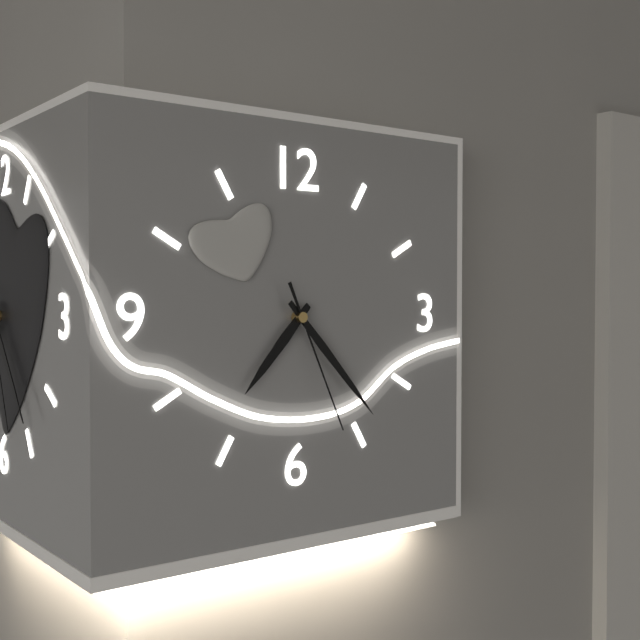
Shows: h=7 m=23 s=26
